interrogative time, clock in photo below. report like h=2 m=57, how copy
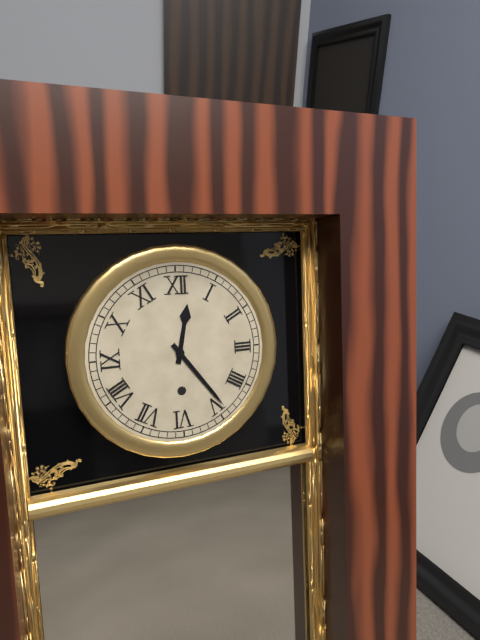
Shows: h=12 m=24
